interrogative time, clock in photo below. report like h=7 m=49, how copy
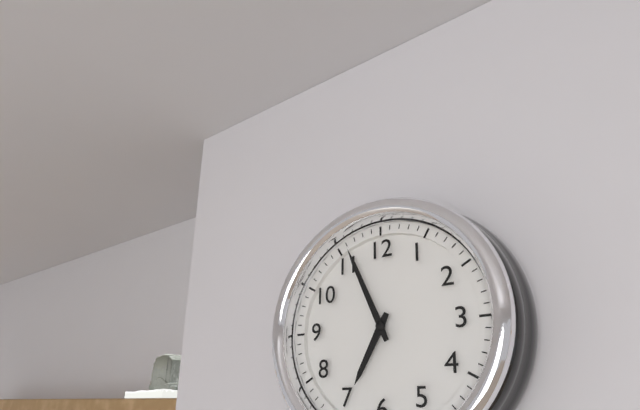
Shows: h=6 m=56
